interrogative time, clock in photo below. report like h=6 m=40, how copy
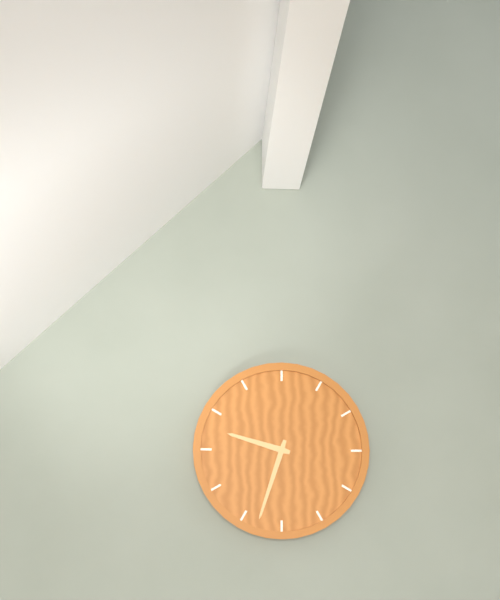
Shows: h=9 m=33
